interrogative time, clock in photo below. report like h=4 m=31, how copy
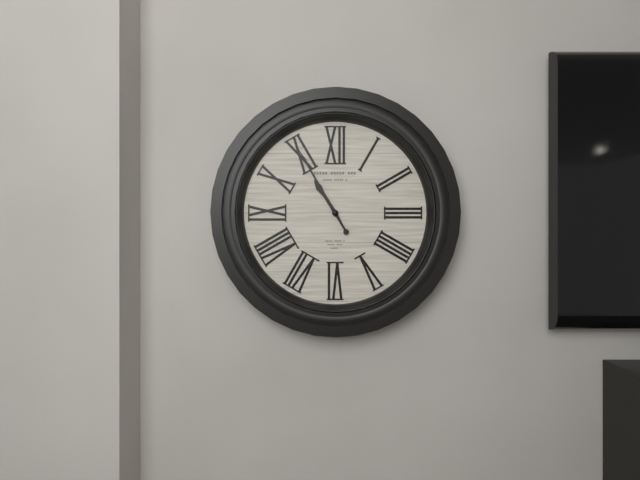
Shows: h=10 m=55
